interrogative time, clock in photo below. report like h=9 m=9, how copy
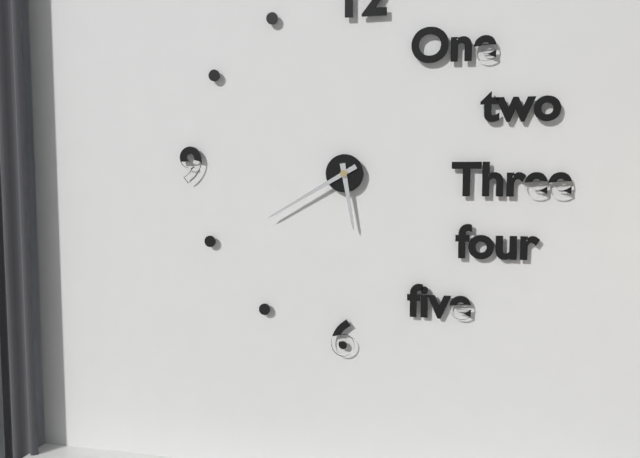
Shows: h=5 m=40
